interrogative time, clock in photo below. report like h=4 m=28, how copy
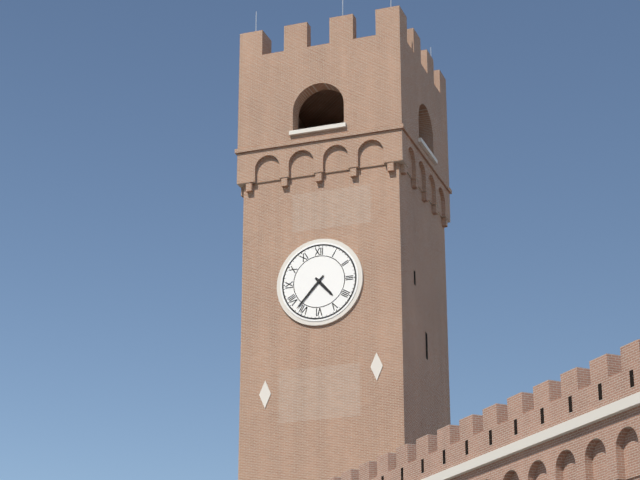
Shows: h=4 m=37
